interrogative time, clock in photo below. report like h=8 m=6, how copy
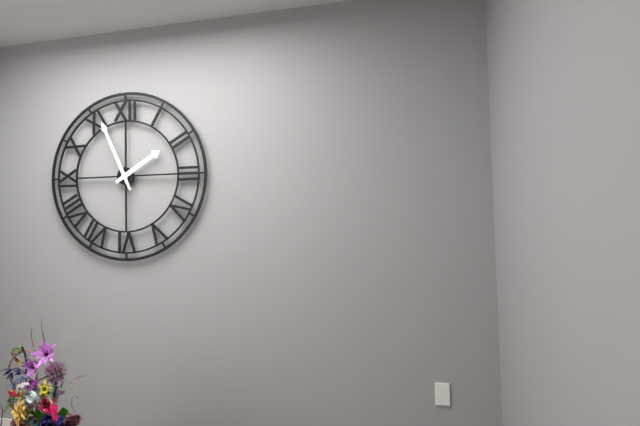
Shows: h=1 m=56
